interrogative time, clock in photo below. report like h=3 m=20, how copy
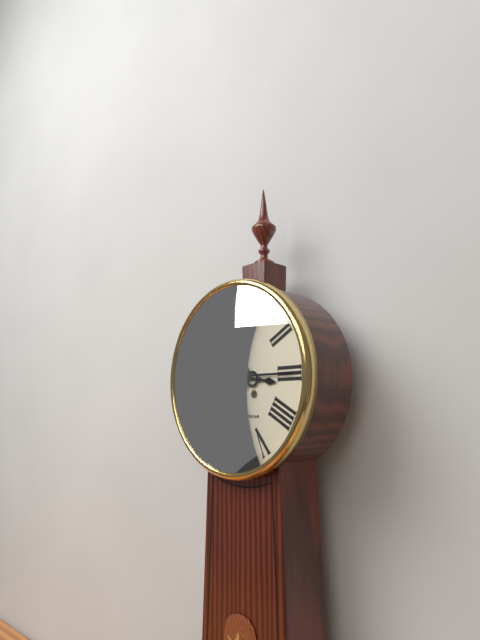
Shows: h=3 m=15
